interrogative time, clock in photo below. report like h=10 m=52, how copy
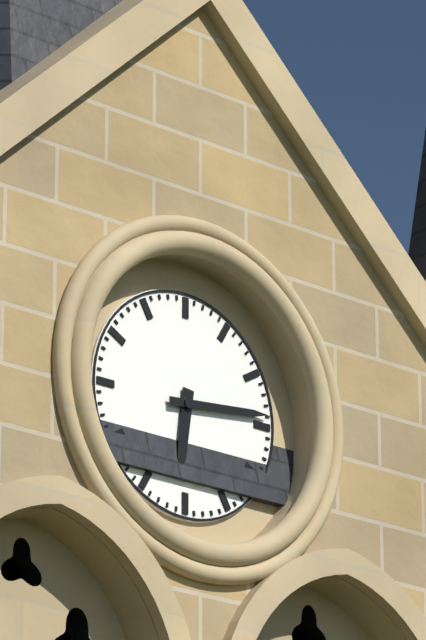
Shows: h=6 m=14
